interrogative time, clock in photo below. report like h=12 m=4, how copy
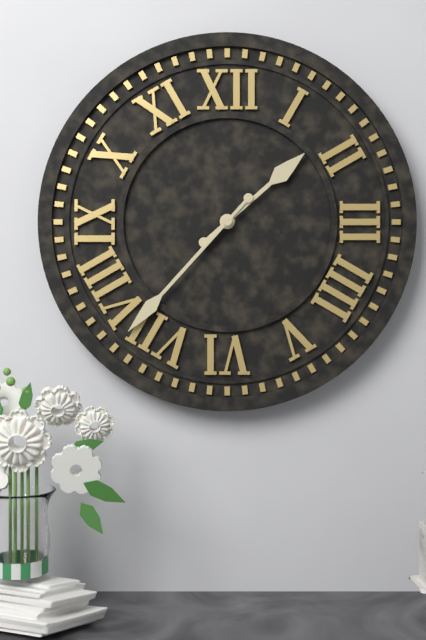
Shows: h=1 m=37
